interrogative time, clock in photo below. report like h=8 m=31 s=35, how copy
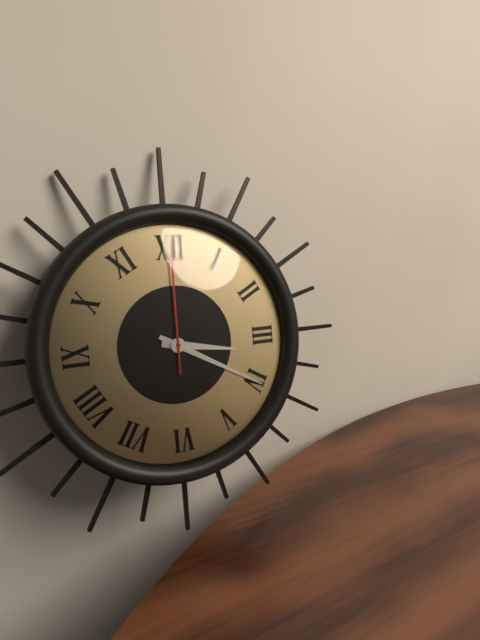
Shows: h=3 m=20 s=0
